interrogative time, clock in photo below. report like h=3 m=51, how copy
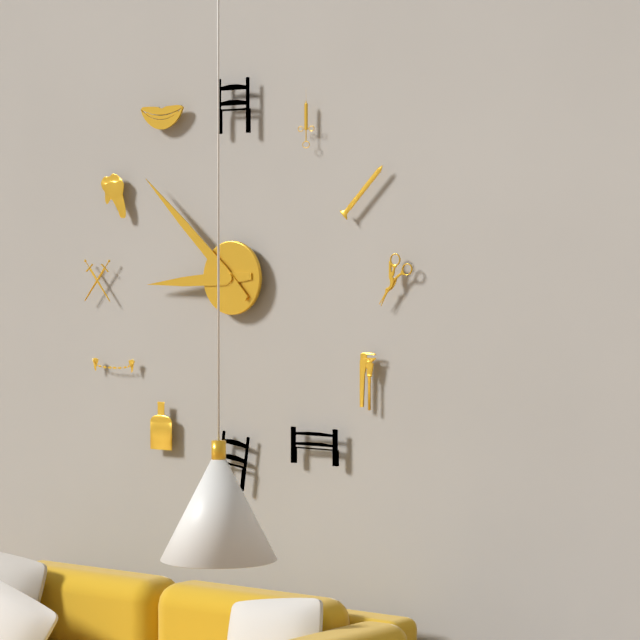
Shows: h=8 m=52
